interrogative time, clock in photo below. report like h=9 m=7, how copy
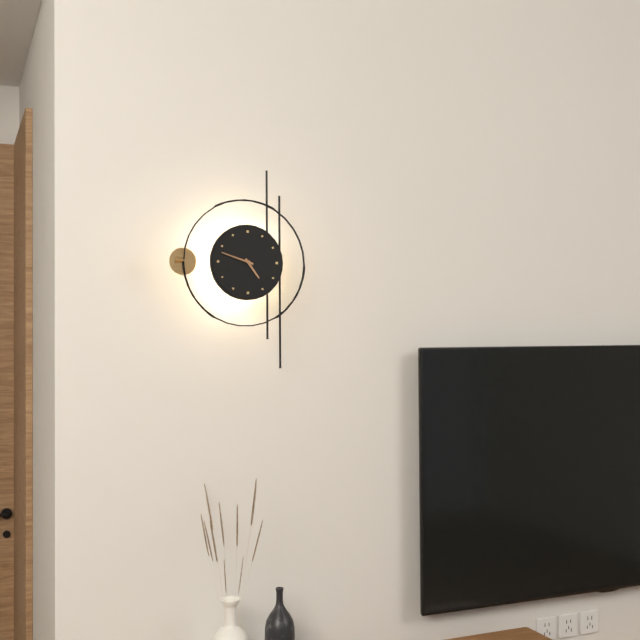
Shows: h=4 m=48
